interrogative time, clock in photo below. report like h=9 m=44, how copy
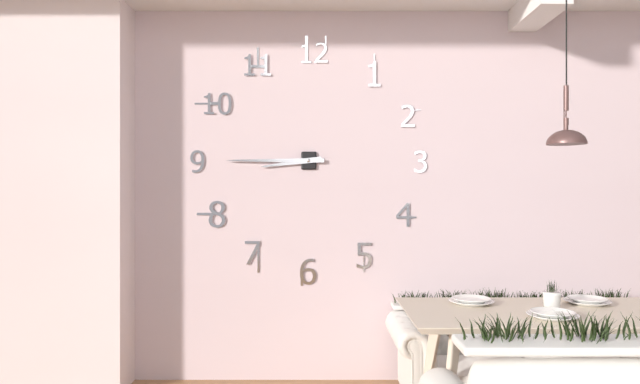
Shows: h=8 m=45
